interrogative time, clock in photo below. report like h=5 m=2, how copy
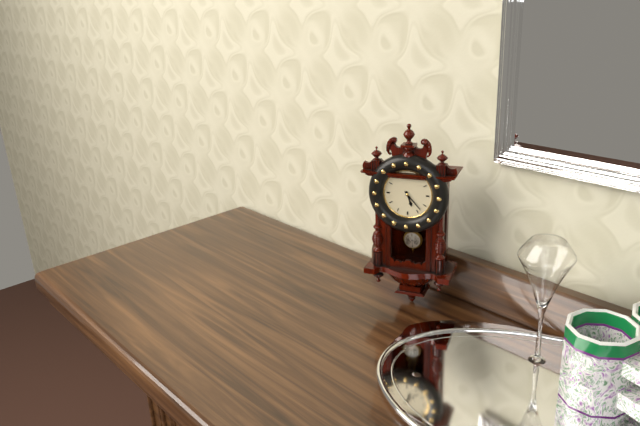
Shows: h=5 m=23
